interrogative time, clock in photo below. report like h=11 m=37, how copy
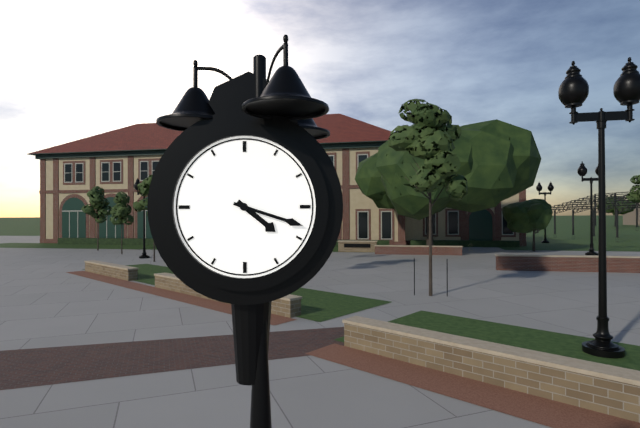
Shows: h=4 m=18
